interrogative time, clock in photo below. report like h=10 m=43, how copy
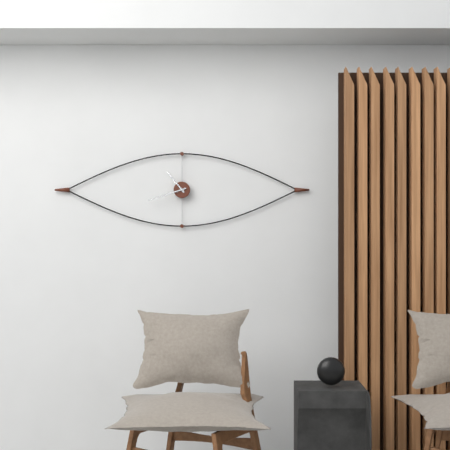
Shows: h=10 m=42
